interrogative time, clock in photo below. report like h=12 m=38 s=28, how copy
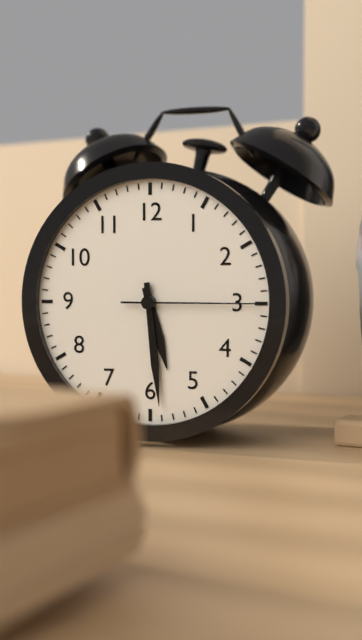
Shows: h=5 m=29 s=15
